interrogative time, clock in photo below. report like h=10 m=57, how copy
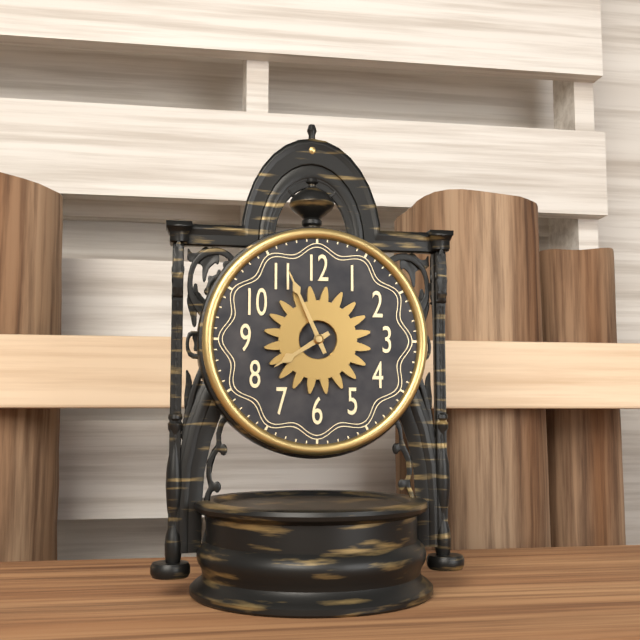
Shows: h=7 m=56
